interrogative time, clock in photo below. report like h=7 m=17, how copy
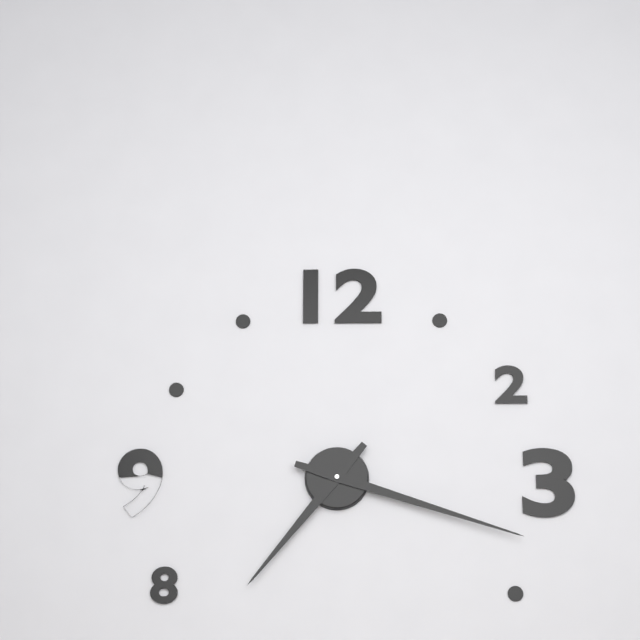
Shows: h=7 m=18
